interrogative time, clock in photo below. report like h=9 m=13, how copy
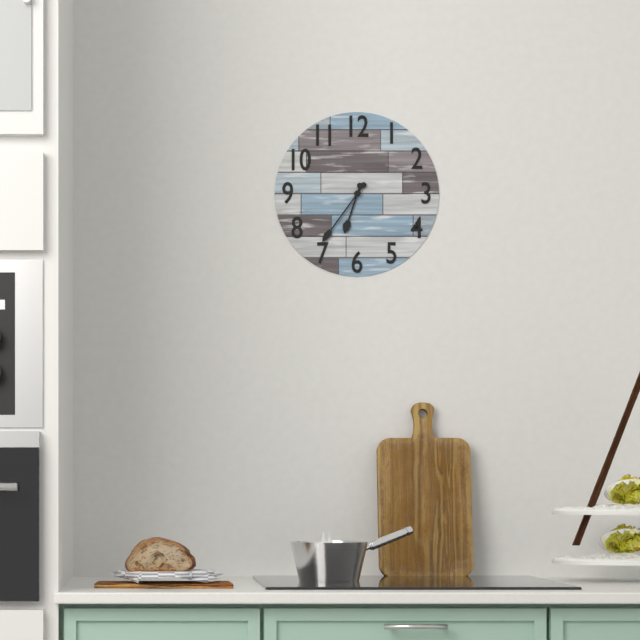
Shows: h=6 m=36
